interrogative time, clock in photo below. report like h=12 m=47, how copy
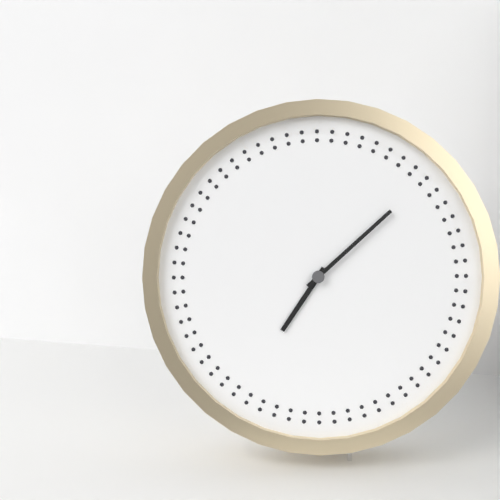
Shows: h=7 m=8
